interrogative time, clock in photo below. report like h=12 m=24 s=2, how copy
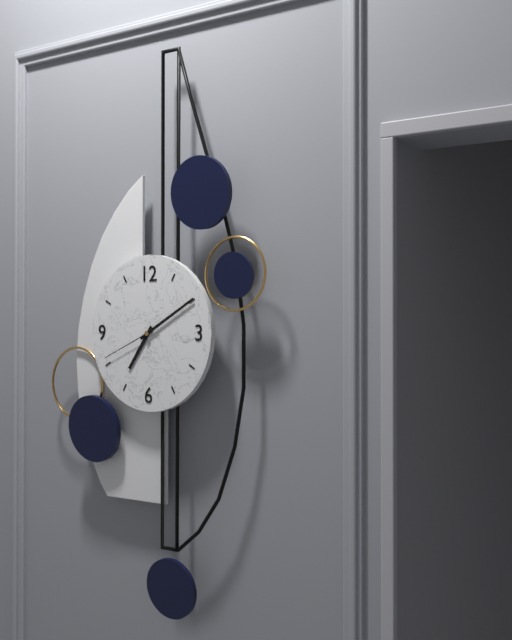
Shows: h=7 m=10 s=41
